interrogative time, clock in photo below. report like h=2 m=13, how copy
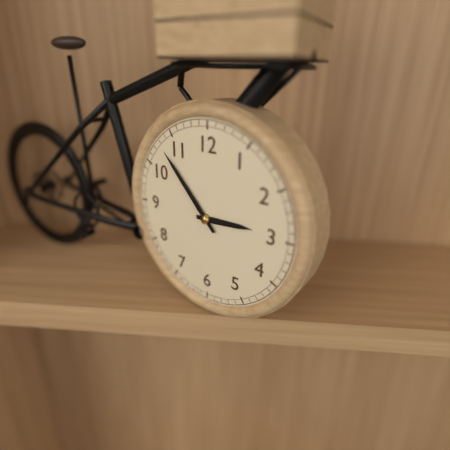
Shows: h=2 m=53
